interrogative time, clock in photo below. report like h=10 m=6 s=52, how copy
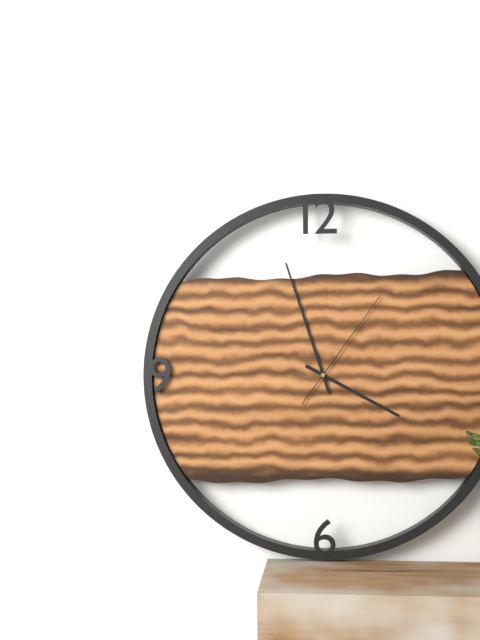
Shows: h=3 m=57 s=6
